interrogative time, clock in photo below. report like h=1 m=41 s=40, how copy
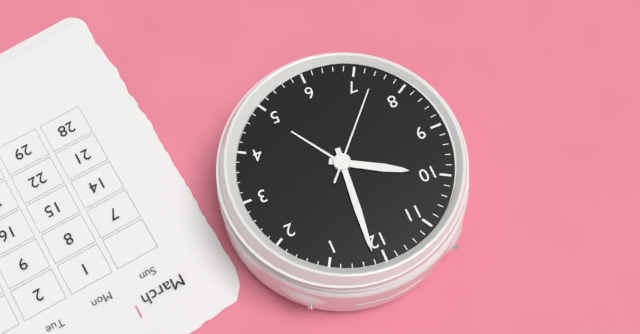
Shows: h=10 m=1 s=37
